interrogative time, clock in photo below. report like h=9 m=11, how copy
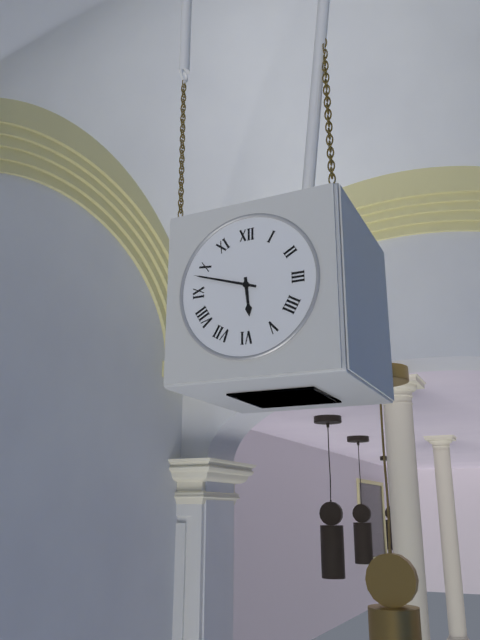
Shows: h=5 m=48
